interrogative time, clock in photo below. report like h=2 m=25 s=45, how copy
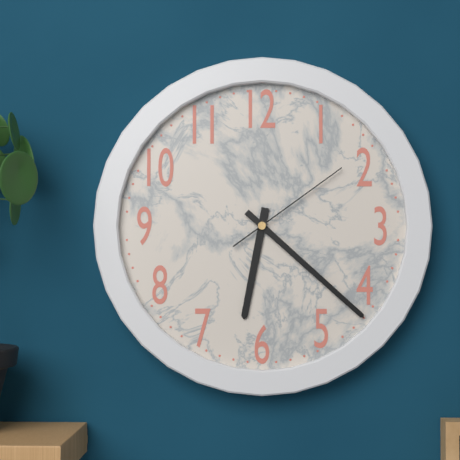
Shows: h=6 m=22 s=9
